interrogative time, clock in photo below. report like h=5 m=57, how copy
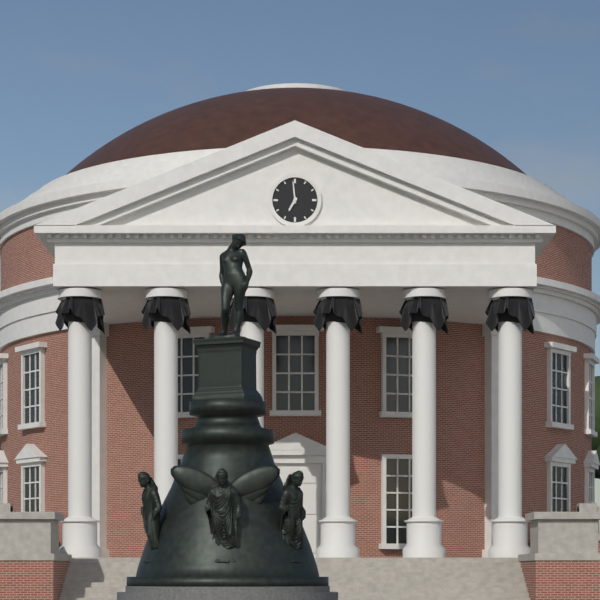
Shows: h=6 m=59
